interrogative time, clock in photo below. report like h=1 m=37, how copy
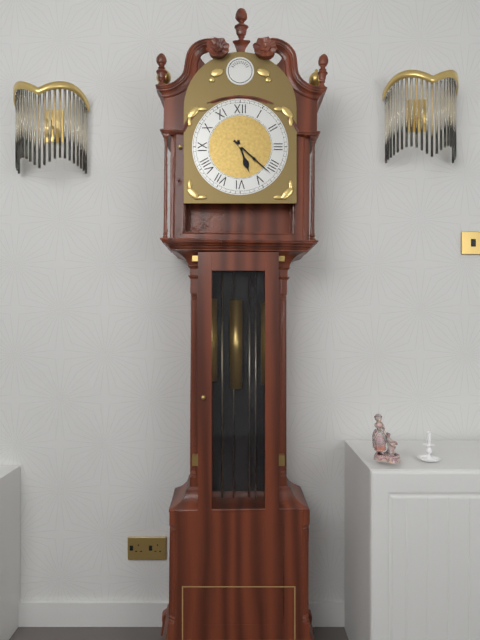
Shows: h=5 m=22
